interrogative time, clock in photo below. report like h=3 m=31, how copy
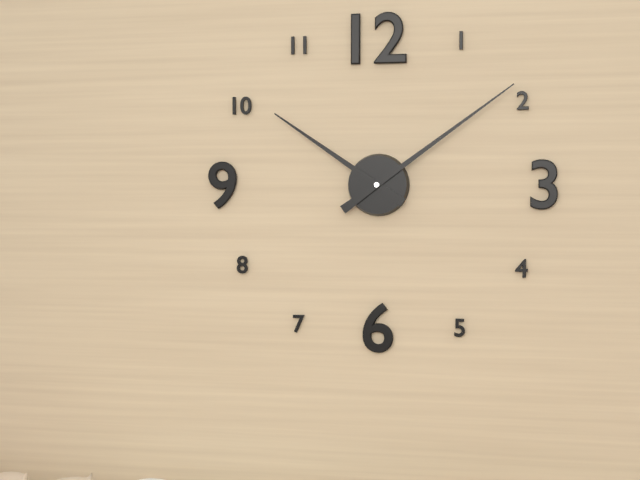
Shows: h=10 m=9
